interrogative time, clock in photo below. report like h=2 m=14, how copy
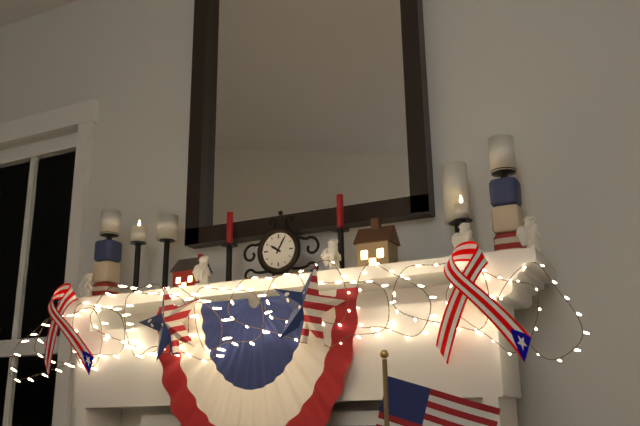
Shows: h=10 m=5
